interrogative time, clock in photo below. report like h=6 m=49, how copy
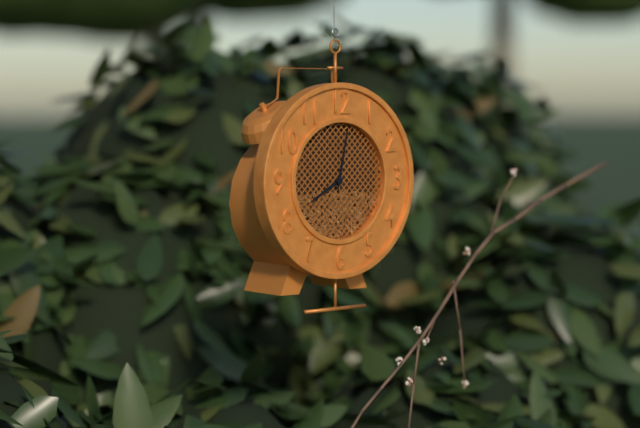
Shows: h=8 m=2
